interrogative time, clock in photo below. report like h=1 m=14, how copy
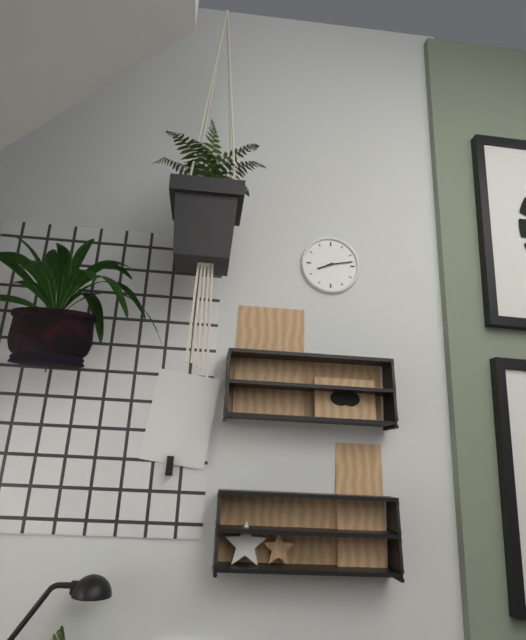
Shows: h=8 m=13
